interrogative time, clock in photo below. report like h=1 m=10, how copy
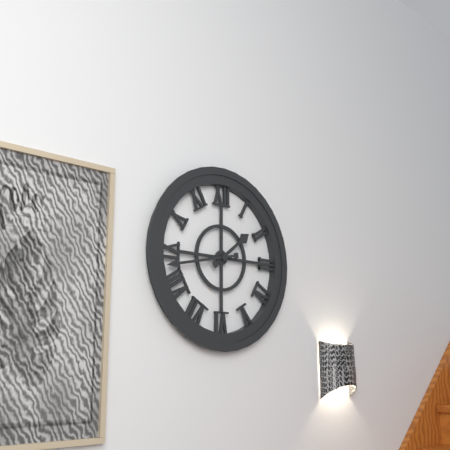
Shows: h=1 m=43
